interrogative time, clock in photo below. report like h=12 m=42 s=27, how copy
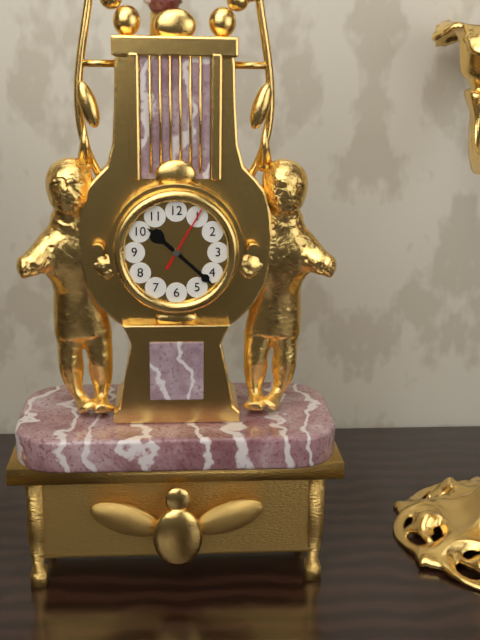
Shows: h=10 m=22 s=5
